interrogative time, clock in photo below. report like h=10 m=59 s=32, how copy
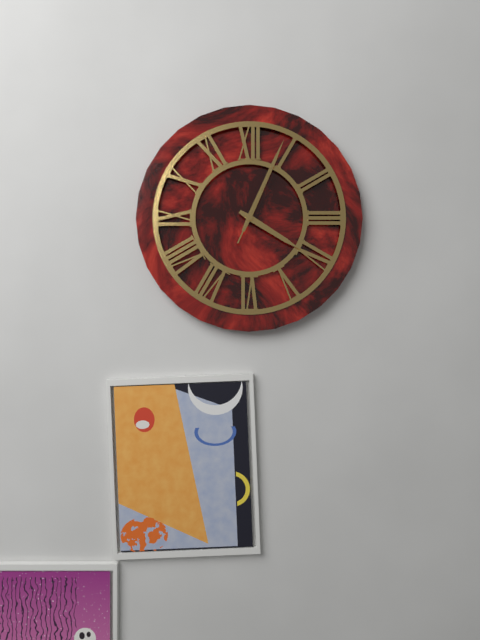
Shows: h=4 m=4 s=4
